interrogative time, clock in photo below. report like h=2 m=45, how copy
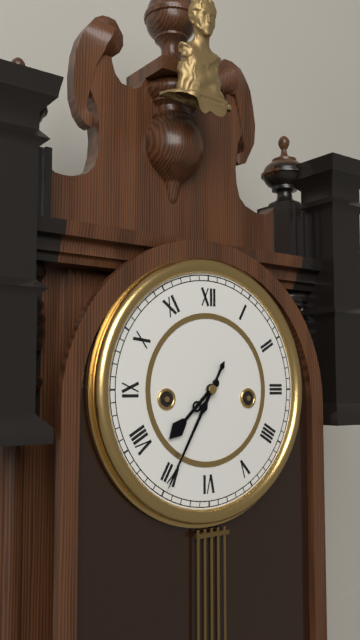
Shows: h=7 m=35
